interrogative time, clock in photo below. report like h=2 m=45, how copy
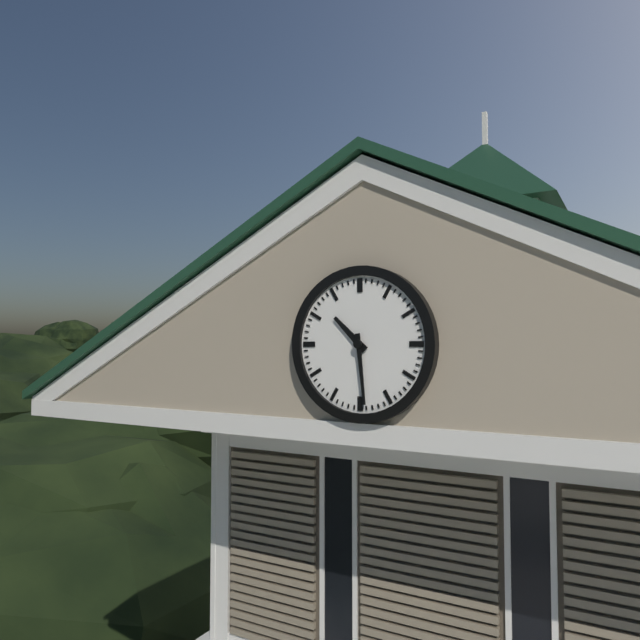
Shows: h=10 m=29
